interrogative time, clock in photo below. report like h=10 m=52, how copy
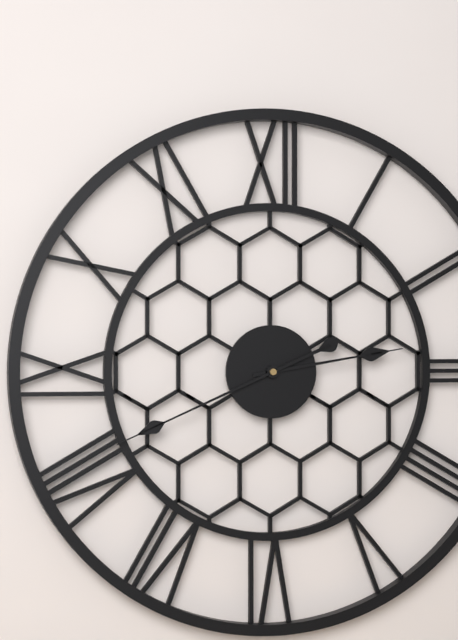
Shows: h=2 m=41
